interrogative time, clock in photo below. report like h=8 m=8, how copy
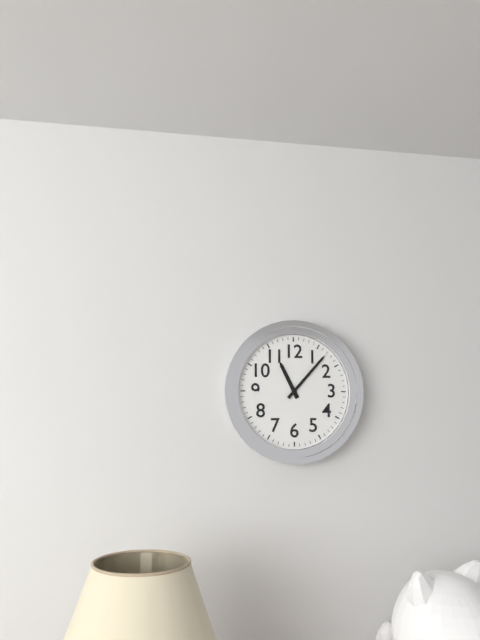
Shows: h=11 m=7
